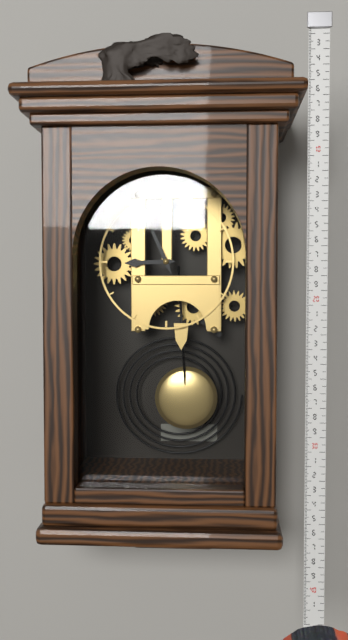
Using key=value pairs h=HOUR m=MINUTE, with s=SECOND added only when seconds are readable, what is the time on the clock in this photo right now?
h=8 m=56
